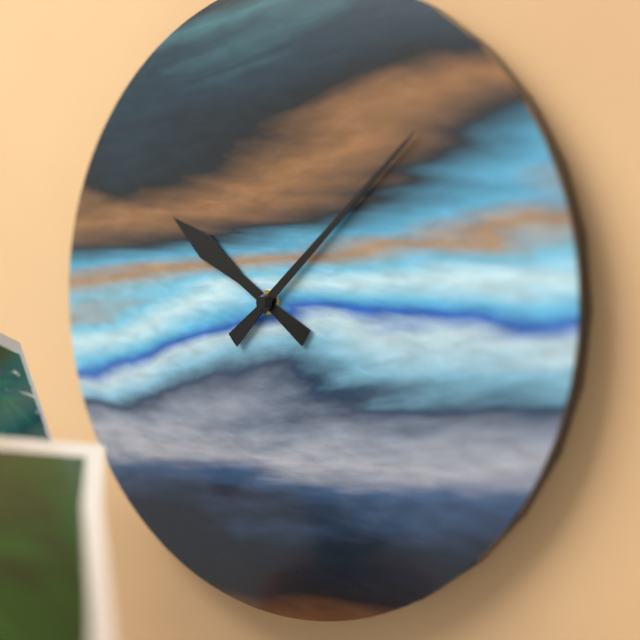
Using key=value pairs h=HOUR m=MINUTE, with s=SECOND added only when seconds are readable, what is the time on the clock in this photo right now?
h=10 m=8
